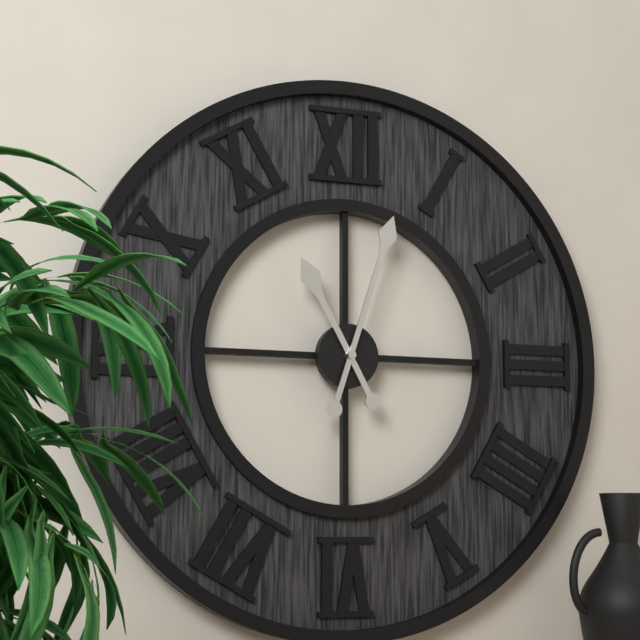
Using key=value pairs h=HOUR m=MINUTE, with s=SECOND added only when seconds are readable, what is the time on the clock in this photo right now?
h=11 m=3
